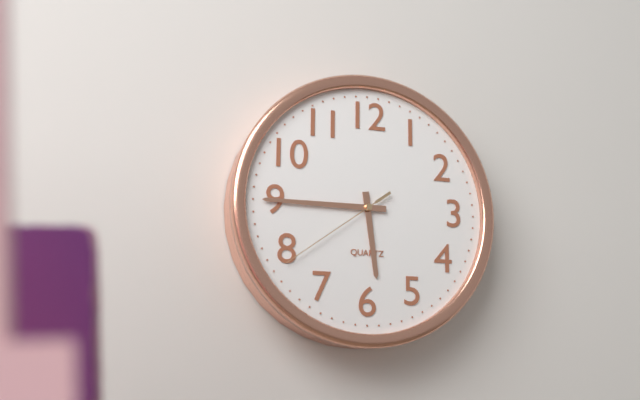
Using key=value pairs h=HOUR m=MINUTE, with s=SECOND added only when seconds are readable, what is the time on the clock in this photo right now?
h=5 m=45 s=39
